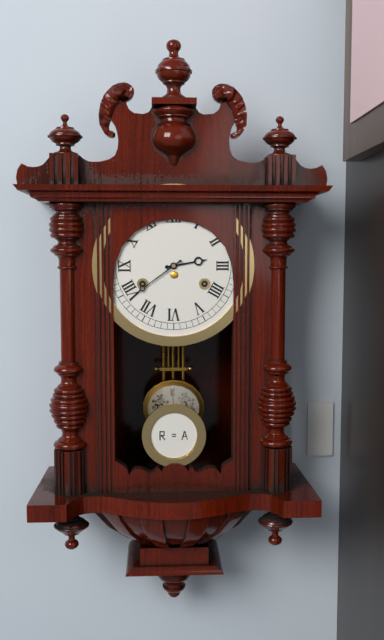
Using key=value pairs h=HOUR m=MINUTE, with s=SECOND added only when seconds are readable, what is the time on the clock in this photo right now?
h=2 m=39
